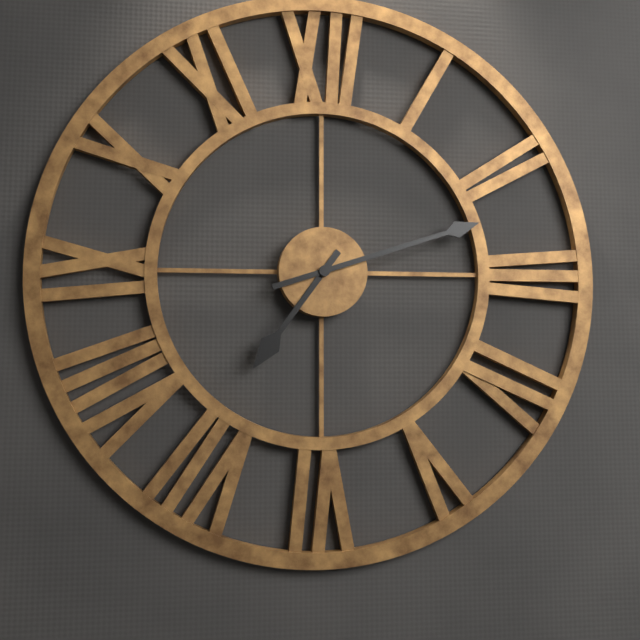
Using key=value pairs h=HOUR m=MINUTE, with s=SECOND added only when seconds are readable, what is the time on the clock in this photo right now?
h=7 m=12
